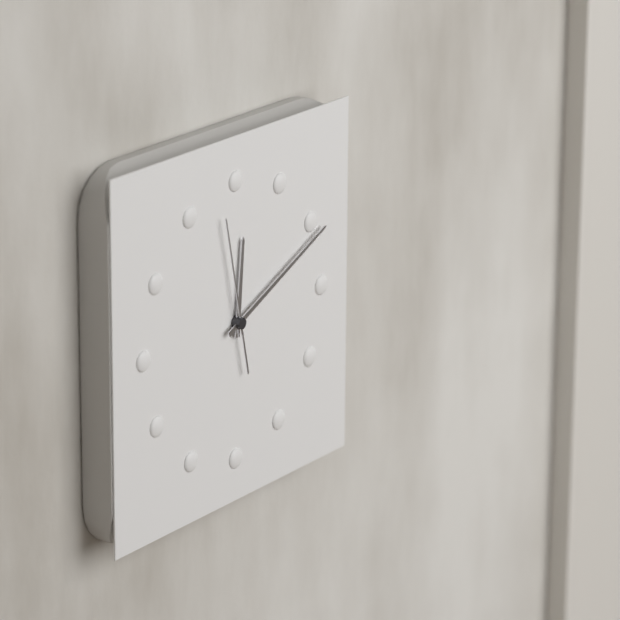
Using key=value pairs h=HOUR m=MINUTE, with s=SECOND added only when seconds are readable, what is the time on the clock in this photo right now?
h=12 m=11 s=58
